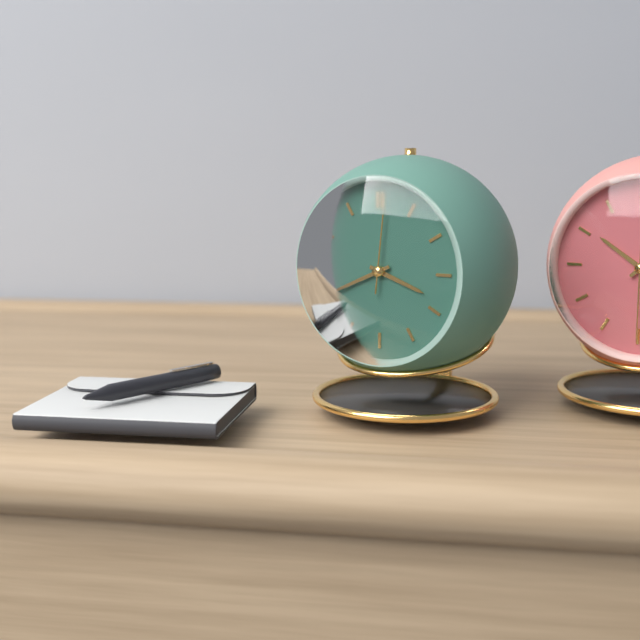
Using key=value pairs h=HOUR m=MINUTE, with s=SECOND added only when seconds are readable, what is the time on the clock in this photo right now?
h=3 m=41 s=1
